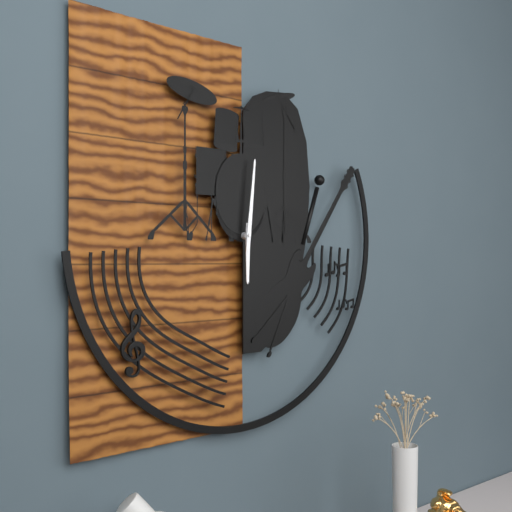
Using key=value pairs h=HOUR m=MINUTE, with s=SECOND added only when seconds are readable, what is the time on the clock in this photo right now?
h=6 m=1
